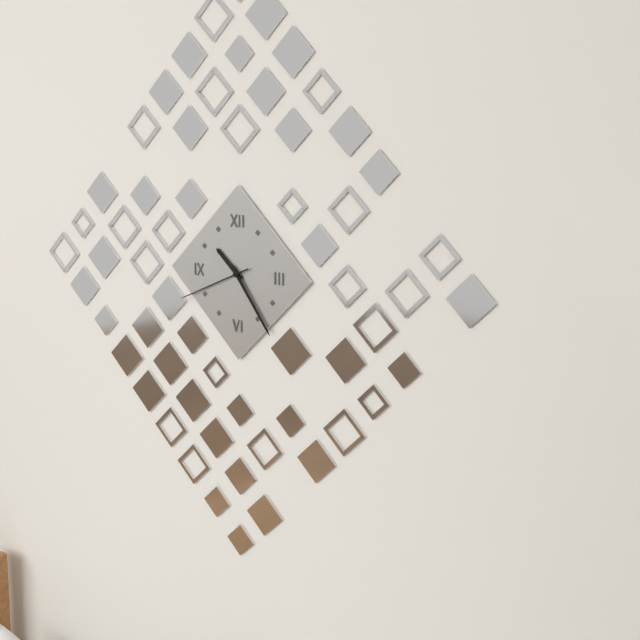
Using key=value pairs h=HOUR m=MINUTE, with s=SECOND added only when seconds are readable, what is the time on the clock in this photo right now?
h=10 m=24 s=41
